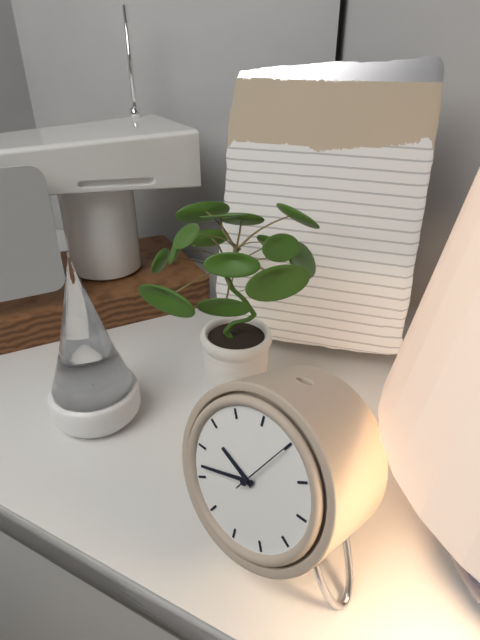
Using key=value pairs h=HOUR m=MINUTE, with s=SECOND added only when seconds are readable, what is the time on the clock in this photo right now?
h=9 m=42 s=5
